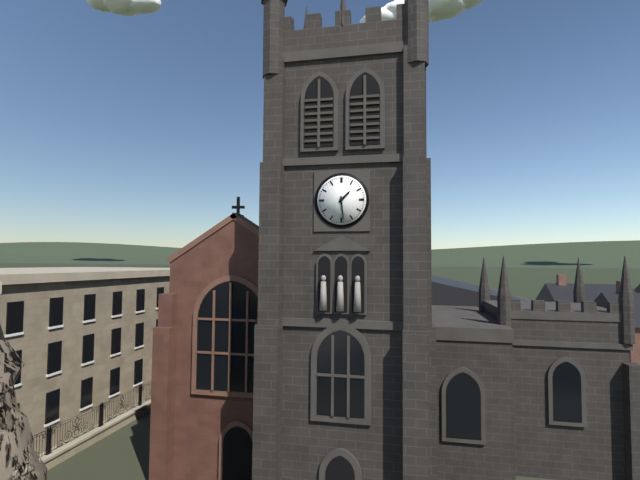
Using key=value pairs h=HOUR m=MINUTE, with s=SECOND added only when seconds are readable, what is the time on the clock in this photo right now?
h=1 m=29
